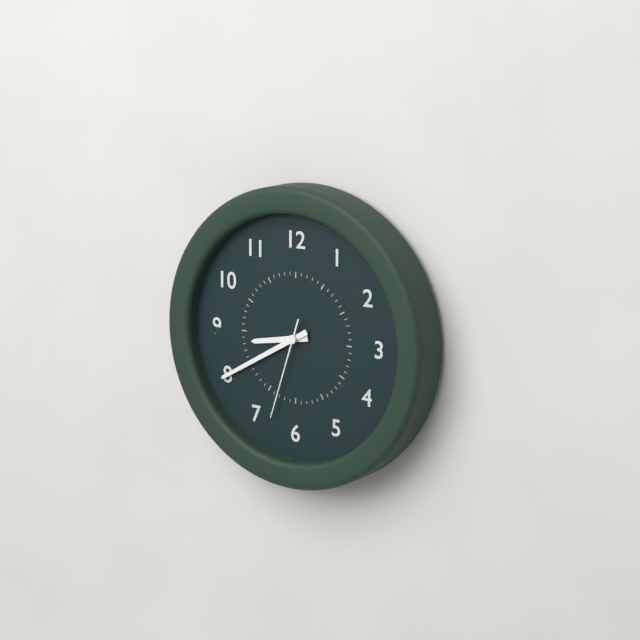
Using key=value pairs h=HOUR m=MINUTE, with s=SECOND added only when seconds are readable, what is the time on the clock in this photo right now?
h=8 m=40 s=33
